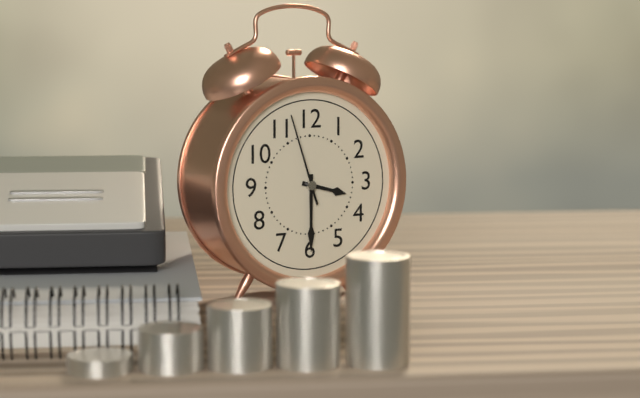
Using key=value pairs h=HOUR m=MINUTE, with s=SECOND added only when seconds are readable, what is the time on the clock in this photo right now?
h=3 m=30 s=57
